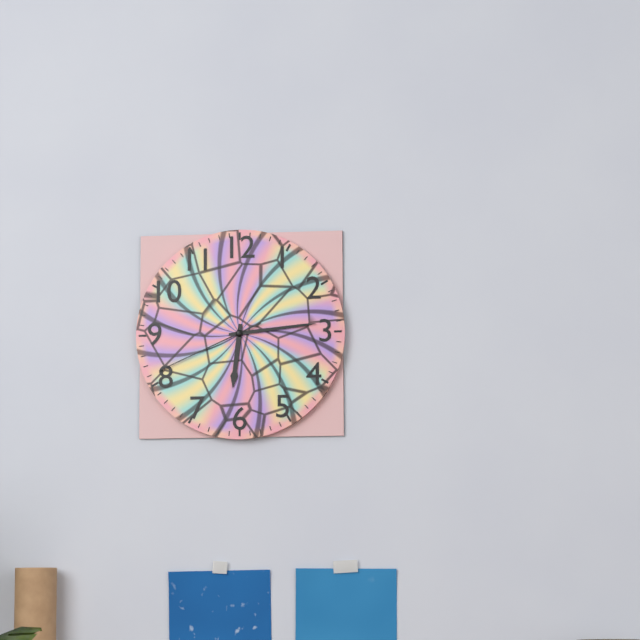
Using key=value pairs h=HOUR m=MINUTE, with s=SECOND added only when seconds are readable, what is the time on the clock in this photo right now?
h=6 m=14 s=41
